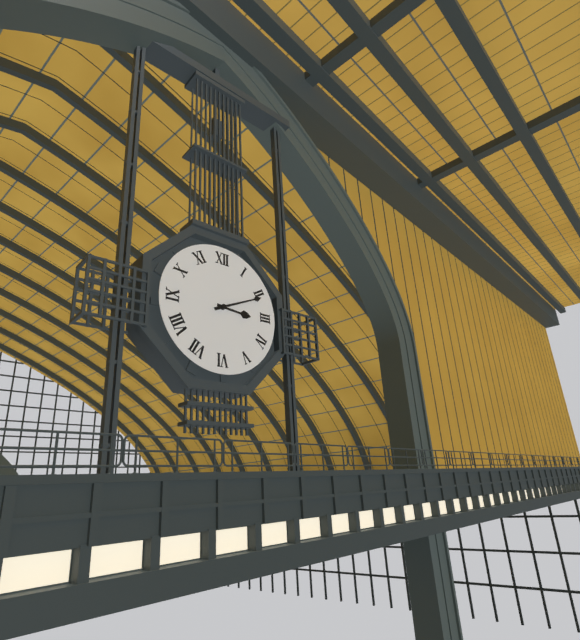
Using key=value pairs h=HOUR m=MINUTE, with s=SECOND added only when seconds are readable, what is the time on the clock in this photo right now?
h=3 m=11
